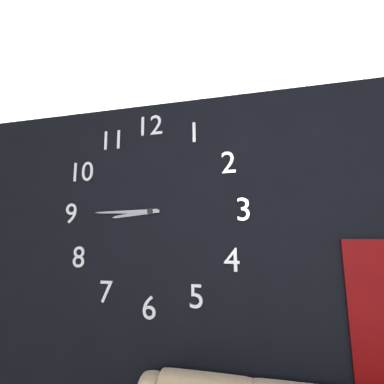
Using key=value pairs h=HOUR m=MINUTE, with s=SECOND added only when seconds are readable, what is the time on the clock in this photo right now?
h=8 m=45
